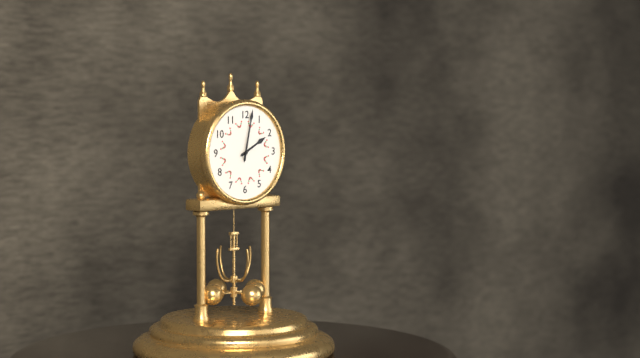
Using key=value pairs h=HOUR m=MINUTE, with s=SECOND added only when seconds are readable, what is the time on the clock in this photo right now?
h=2 m=2
